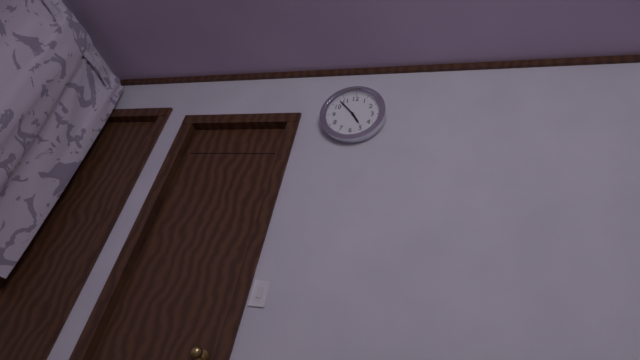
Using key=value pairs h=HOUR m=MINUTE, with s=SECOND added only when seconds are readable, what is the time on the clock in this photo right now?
h=4 m=53
